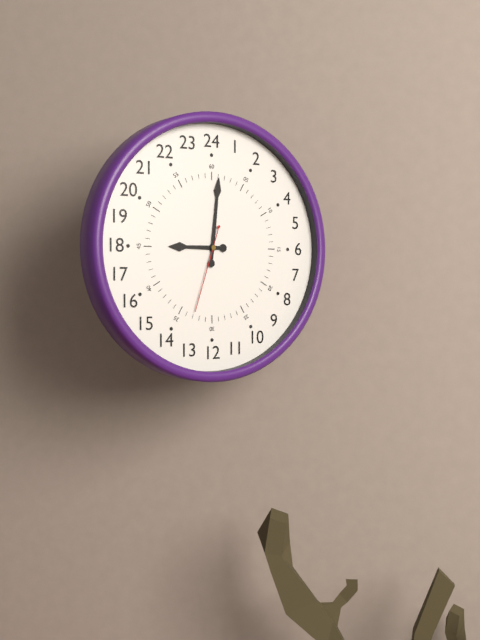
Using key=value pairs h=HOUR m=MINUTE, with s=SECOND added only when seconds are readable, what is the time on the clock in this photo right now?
h=9 m=1 s=33
